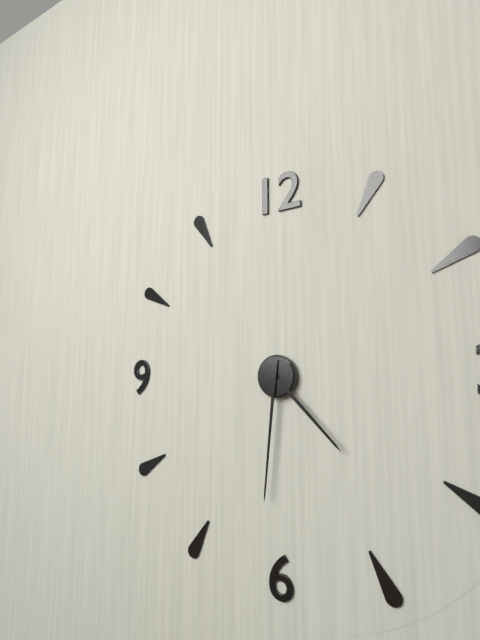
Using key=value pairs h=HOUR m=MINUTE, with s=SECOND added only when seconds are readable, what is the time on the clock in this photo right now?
h=4 m=31
